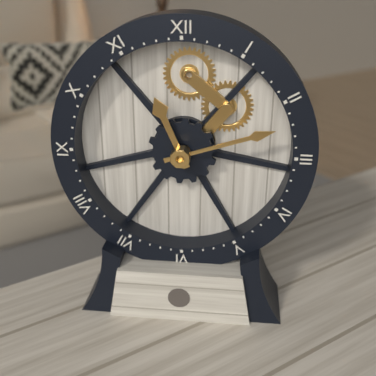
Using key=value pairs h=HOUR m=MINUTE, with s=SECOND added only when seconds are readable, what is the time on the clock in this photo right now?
h=11 m=12
